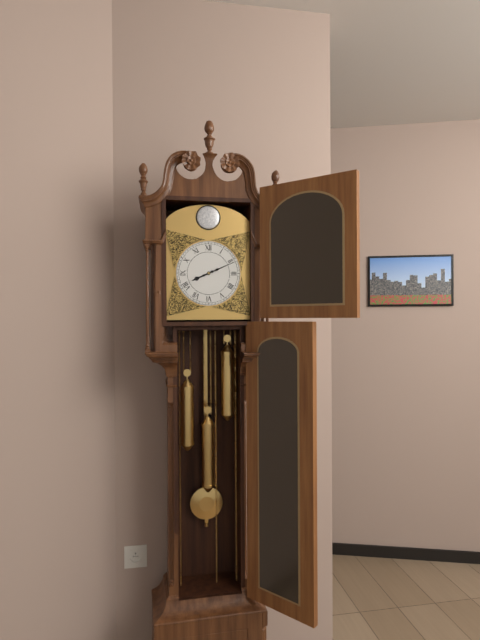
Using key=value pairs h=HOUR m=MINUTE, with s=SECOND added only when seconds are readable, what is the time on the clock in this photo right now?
h=8 m=11
